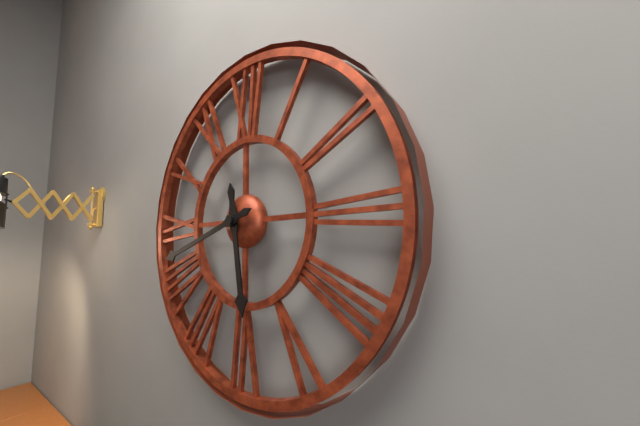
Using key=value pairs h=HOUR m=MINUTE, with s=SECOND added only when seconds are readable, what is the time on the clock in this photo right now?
h=5 m=42
